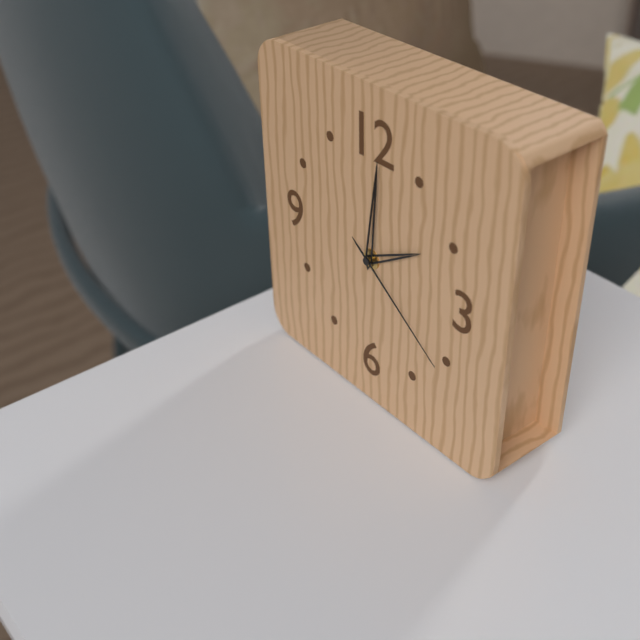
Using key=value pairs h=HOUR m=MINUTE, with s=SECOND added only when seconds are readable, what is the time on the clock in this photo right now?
h=2 m=1 s=21
